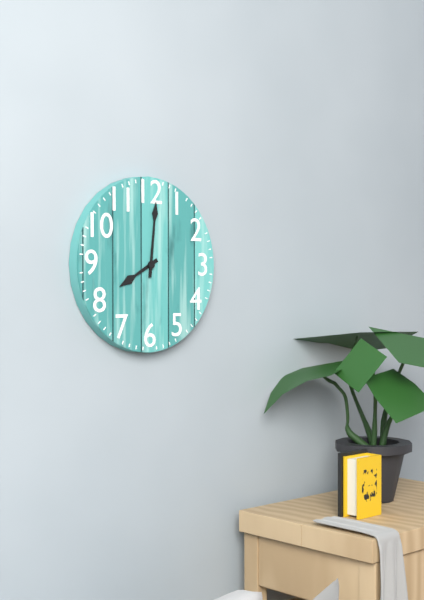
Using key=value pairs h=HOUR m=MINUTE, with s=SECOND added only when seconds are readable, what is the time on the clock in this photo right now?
h=8 m=1
